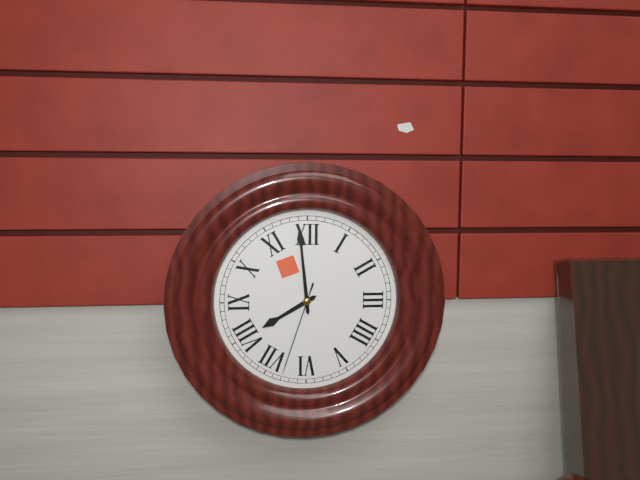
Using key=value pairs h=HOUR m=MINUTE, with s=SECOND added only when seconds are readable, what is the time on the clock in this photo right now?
h=7 m=59 s=33
